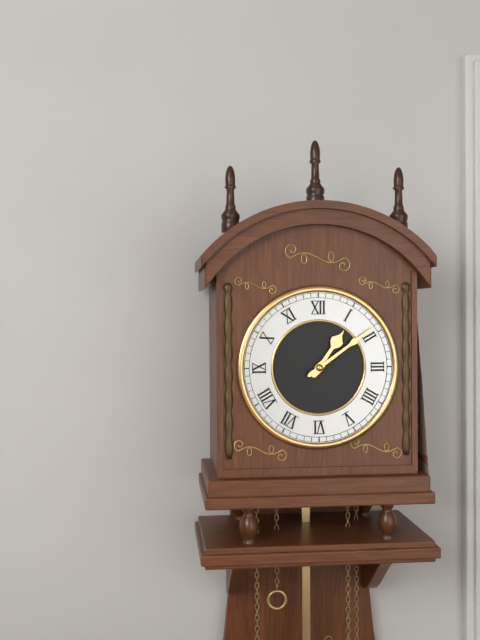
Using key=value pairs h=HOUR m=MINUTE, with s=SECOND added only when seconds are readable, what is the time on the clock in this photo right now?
h=1 m=9
